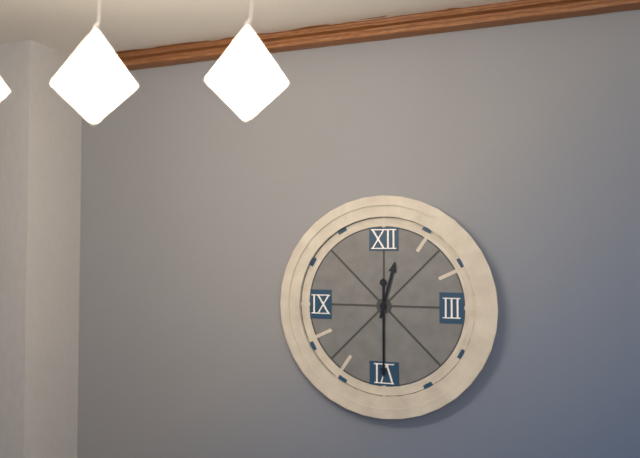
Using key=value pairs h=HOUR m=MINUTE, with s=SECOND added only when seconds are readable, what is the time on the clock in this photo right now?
h=12 m=30
